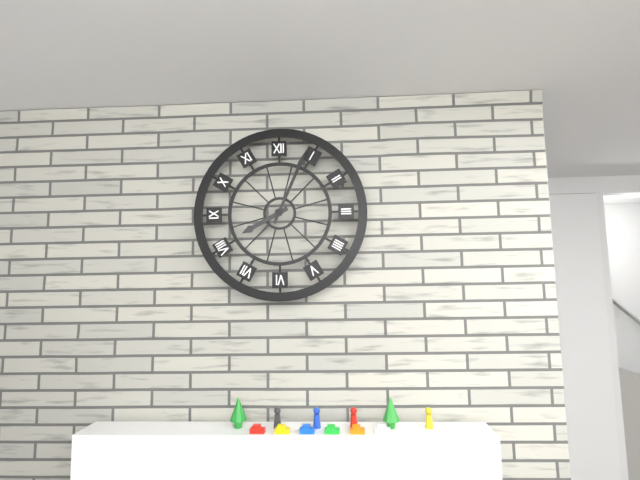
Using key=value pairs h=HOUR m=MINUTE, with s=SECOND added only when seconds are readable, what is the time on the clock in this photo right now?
h=8 m=4
